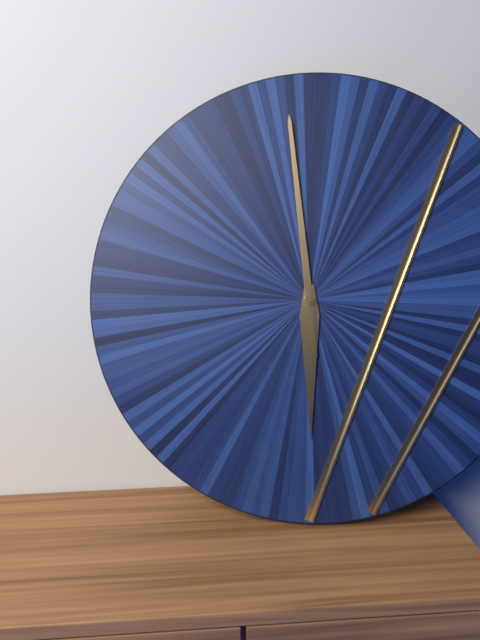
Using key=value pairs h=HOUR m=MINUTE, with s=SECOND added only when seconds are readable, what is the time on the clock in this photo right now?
h=5 m=59
